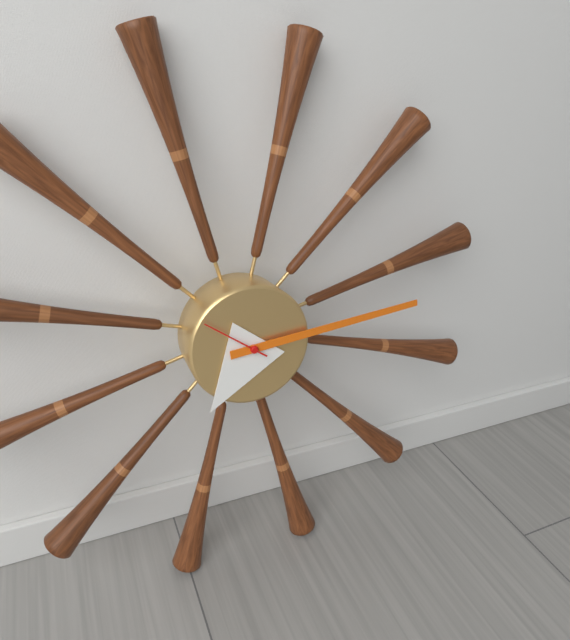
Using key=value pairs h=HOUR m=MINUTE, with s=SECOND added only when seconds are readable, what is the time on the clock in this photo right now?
h=7 m=14
